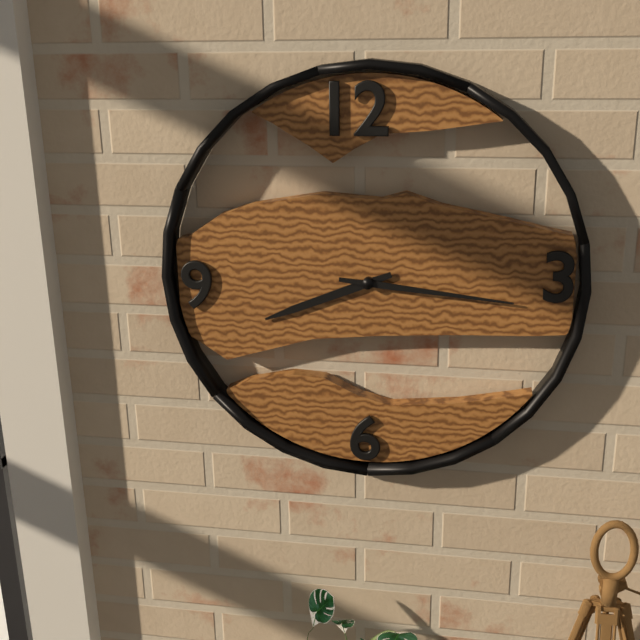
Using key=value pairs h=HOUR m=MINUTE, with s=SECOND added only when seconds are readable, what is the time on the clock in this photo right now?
h=8 m=16
